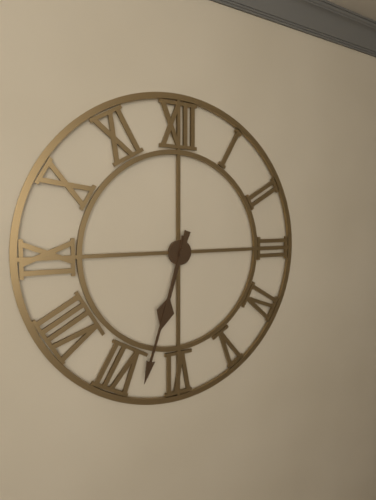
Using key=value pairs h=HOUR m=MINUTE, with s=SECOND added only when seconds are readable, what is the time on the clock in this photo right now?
h=6 m=33
